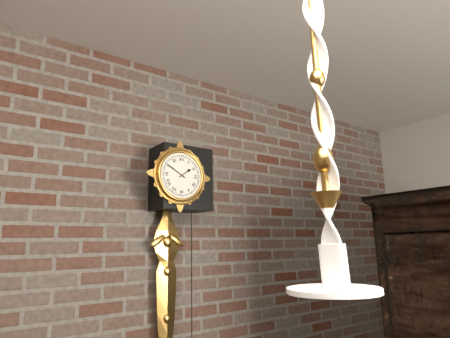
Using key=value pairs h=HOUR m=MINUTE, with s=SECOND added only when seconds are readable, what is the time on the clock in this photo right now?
h=1 m=50
